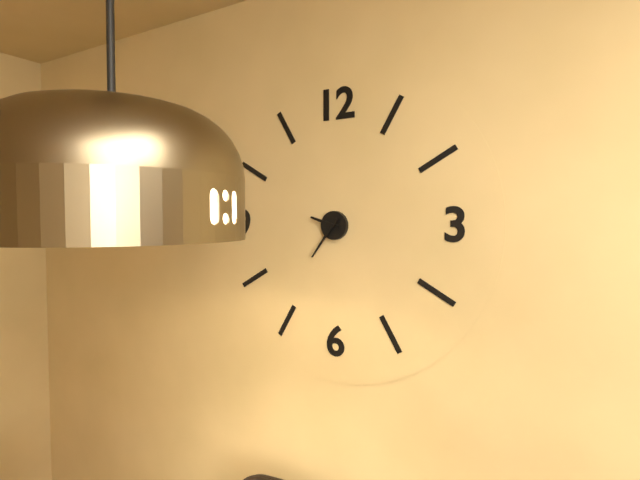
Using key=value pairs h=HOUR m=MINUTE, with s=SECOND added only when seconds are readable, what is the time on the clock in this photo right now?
h=9 m=36
